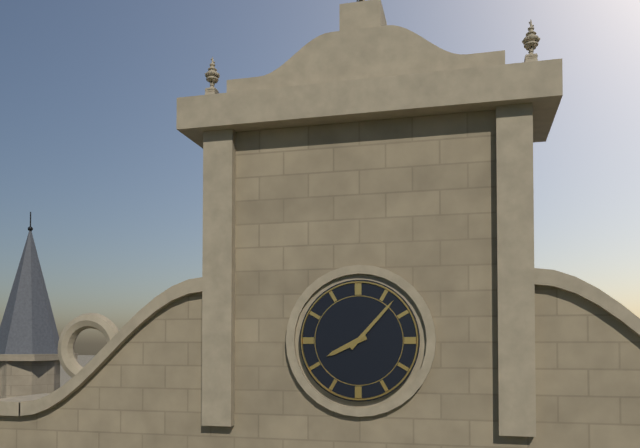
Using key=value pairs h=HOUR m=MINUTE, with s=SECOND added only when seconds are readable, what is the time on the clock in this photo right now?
h=8 m=7
